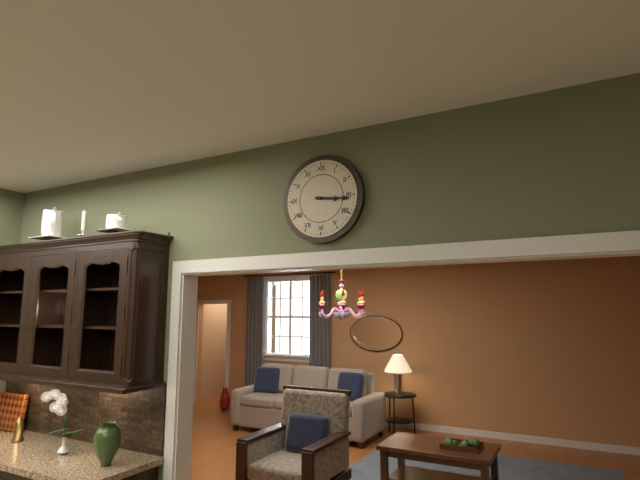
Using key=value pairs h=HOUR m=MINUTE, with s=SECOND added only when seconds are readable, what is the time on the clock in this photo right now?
h=3 m=16
